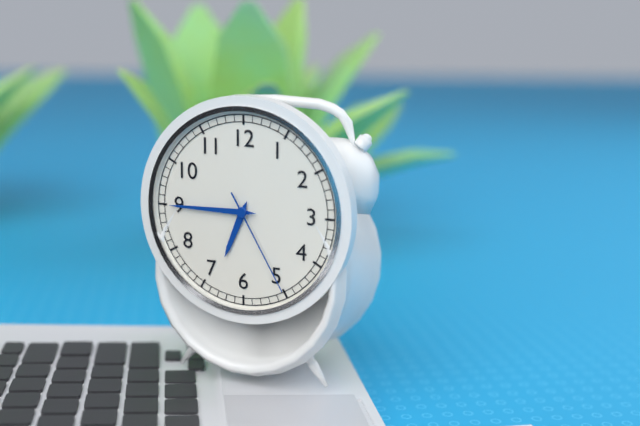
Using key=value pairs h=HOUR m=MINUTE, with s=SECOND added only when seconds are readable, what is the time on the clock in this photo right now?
h=6 m=45 s=25
